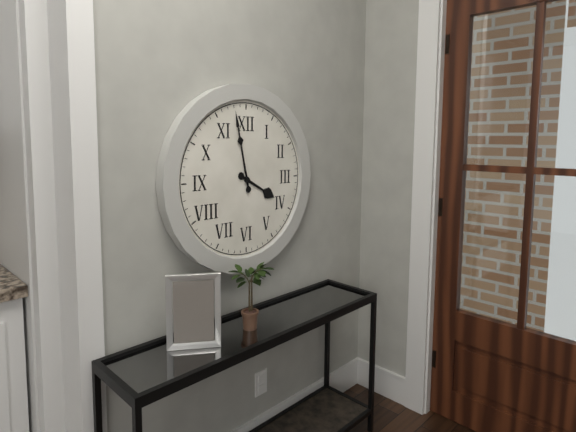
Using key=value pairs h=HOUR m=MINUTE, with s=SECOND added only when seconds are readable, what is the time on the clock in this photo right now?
h=3 m=58
